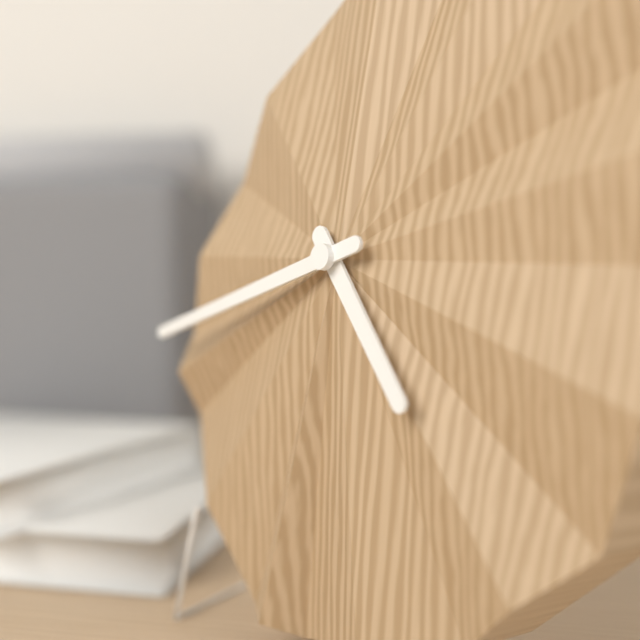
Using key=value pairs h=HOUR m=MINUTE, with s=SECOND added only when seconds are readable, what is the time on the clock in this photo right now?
h=4 m=42
